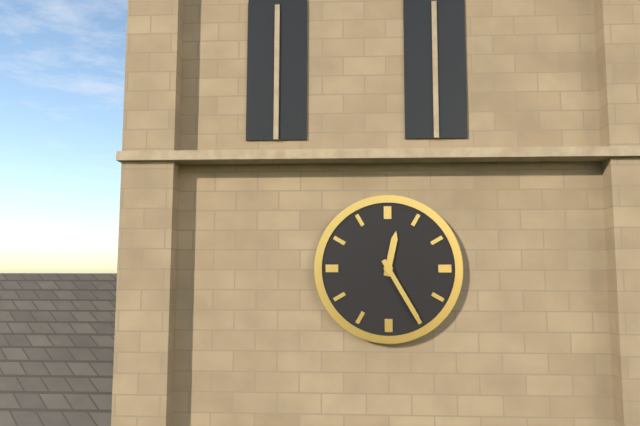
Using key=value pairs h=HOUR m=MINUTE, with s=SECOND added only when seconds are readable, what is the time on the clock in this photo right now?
h=12 m=25
